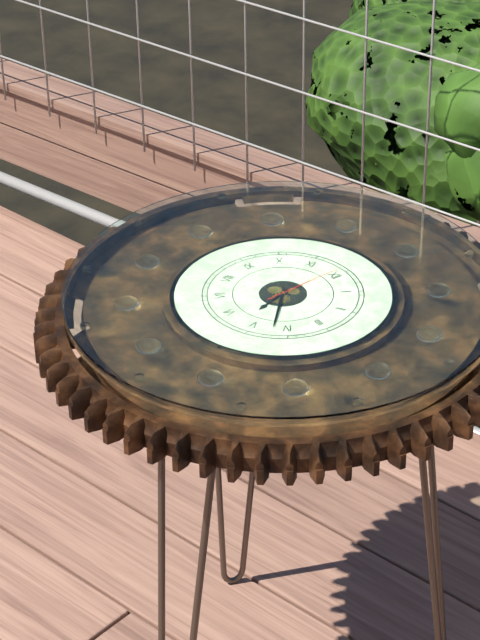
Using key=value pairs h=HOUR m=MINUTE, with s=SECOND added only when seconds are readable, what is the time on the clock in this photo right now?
h=5 m=22 s=59
